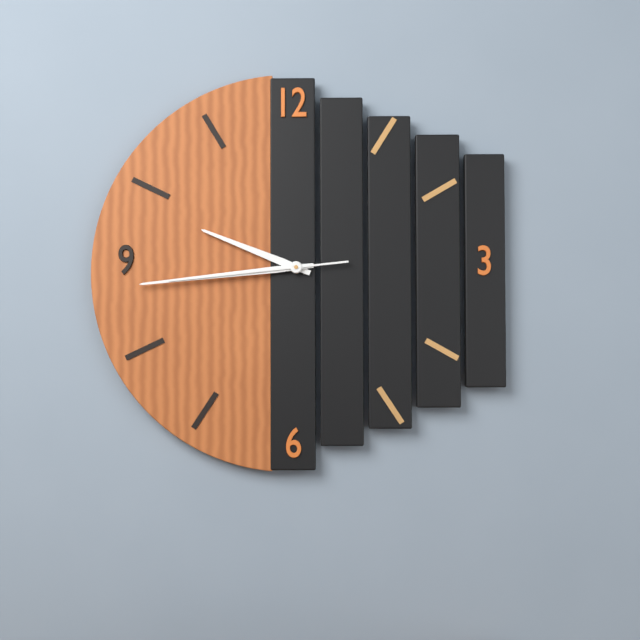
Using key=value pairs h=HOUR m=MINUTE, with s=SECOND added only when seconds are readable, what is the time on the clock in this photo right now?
h=9 m=44 s=44
